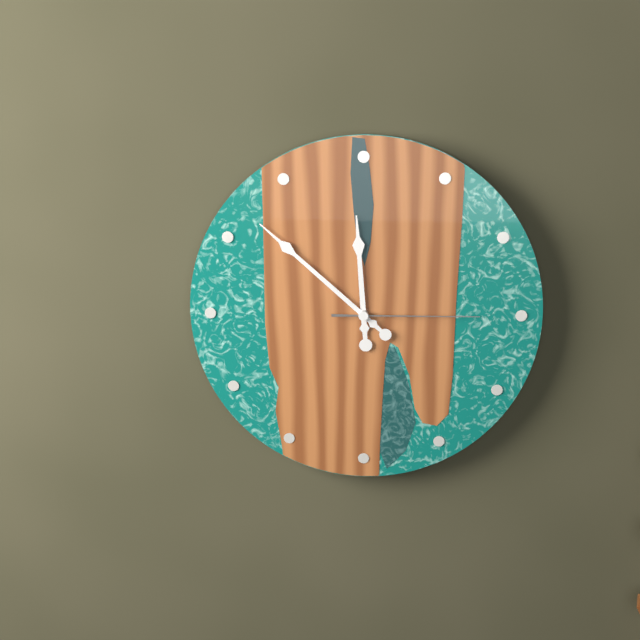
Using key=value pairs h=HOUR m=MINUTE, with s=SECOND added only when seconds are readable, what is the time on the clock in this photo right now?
h=11 m=52 s=15
